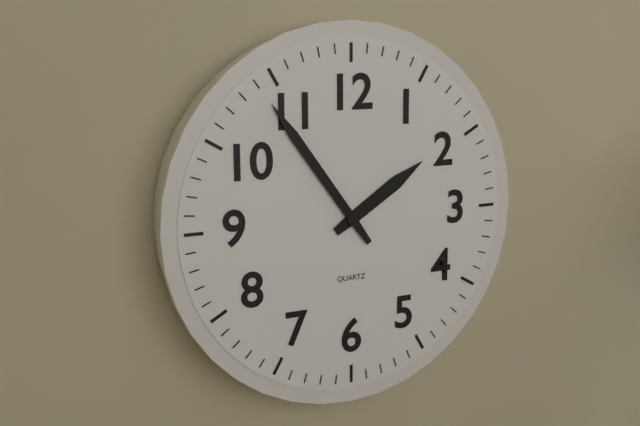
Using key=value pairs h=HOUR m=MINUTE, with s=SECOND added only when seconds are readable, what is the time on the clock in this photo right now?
h=1 m=54
